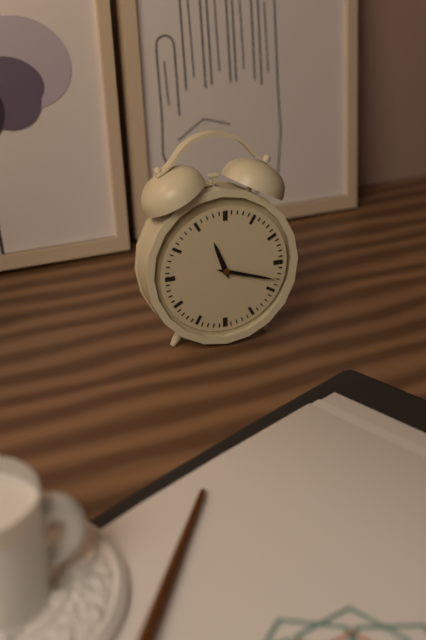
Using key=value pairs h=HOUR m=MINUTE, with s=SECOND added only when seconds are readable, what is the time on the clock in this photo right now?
h=11 m=18
